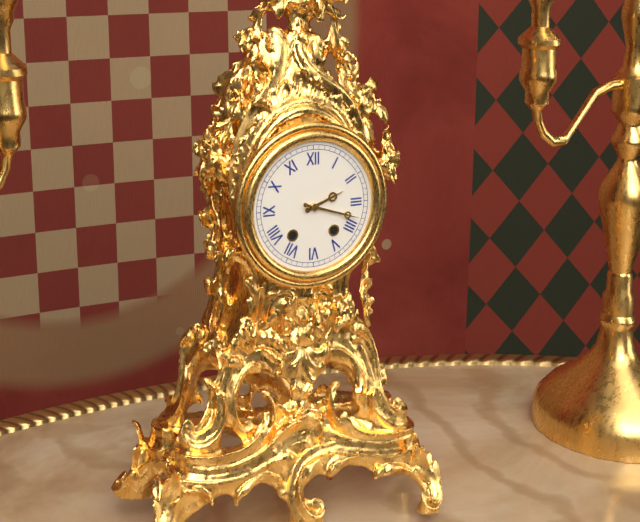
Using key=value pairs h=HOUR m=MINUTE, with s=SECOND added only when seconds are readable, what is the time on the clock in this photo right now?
h=2 m=18
